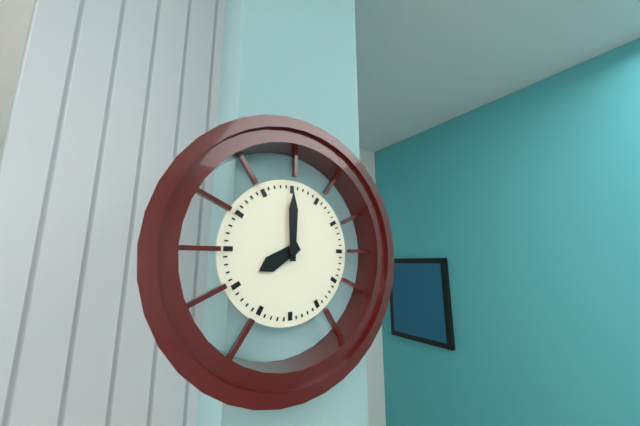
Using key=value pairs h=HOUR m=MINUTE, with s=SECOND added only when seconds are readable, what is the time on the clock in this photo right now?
h=8 m=0
